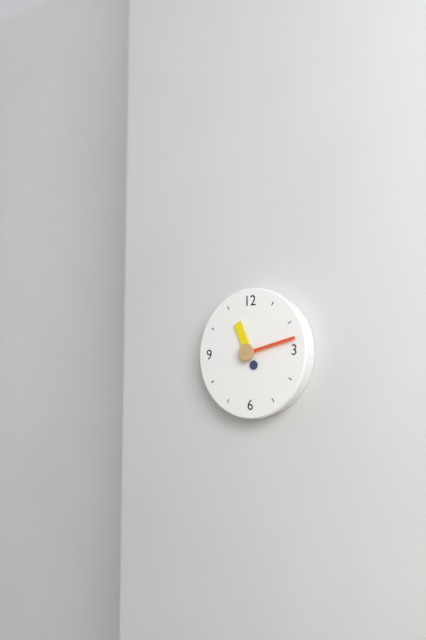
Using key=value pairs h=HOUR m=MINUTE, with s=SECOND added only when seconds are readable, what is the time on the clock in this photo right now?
h=11 m=13
